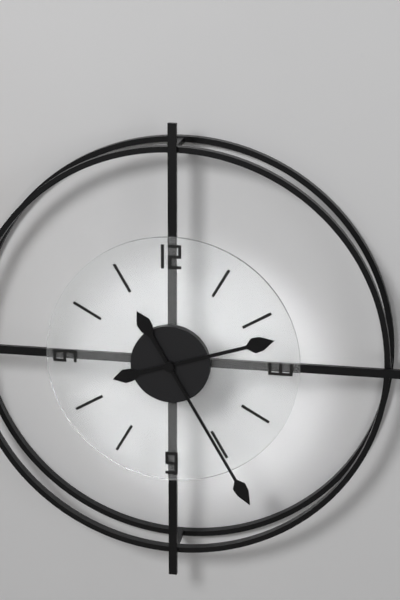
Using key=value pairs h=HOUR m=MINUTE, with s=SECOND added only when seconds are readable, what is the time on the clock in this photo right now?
h=2 m=25
